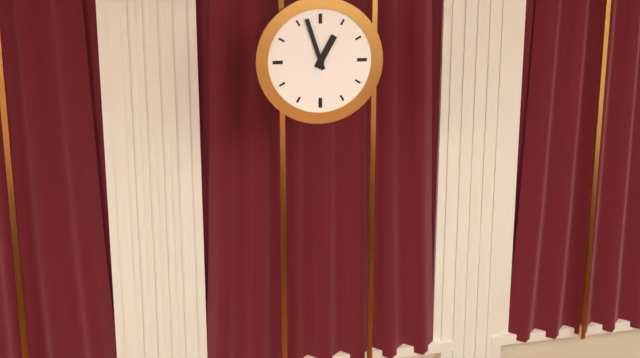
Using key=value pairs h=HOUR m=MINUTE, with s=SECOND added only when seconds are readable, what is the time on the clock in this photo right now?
h=12 m=57
